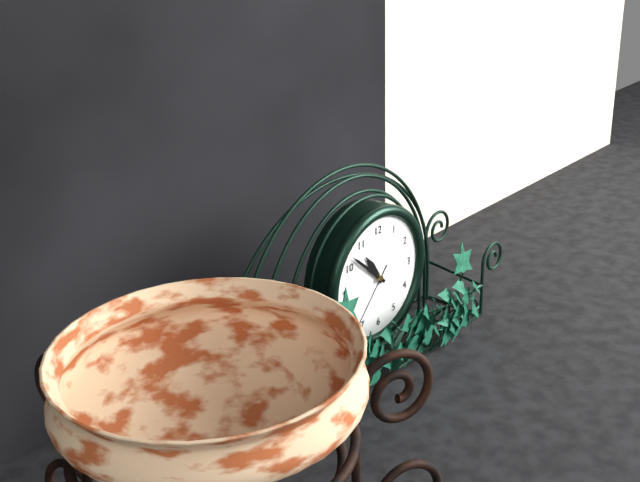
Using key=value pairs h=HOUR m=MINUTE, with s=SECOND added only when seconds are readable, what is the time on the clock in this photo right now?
h=10 m=52 s=37
